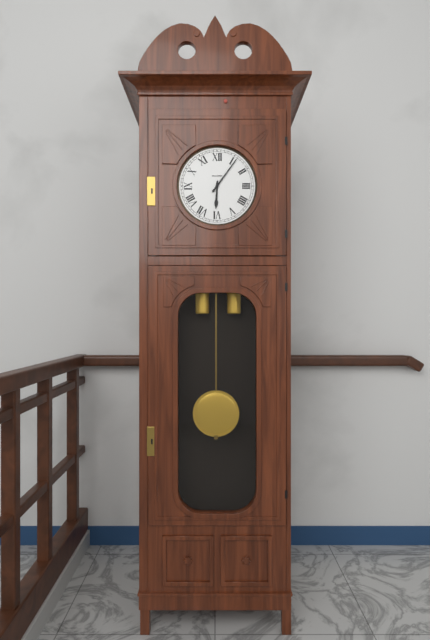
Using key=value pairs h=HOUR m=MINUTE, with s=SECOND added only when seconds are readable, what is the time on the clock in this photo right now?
h=6 m=6
